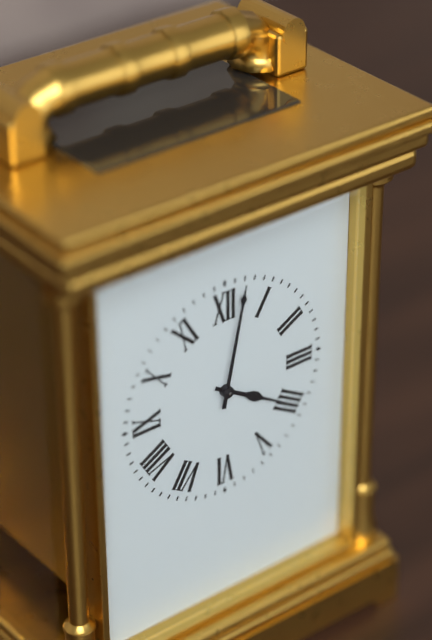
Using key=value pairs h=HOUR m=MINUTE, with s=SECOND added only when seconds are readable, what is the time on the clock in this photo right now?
h=4 m=2
